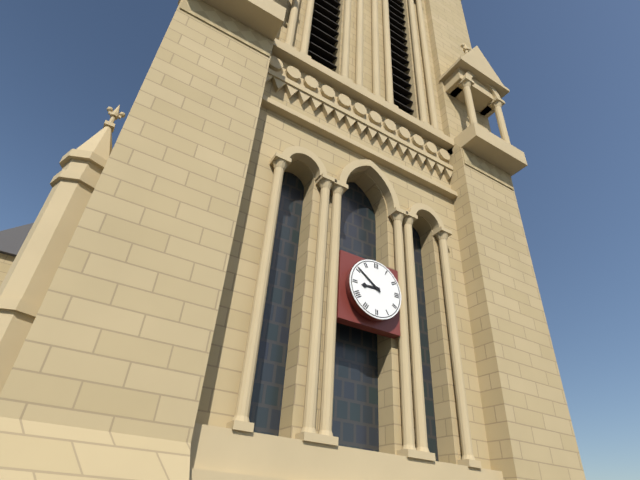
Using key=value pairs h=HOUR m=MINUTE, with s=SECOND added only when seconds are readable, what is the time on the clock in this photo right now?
h=8 m=51
